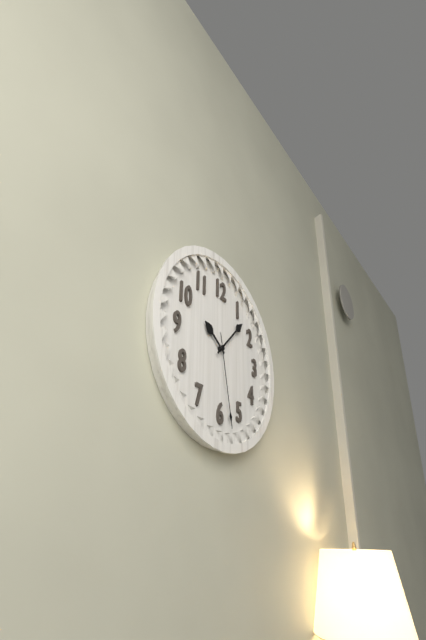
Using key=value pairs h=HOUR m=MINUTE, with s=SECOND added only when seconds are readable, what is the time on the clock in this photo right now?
h=10 m=7 s=28
